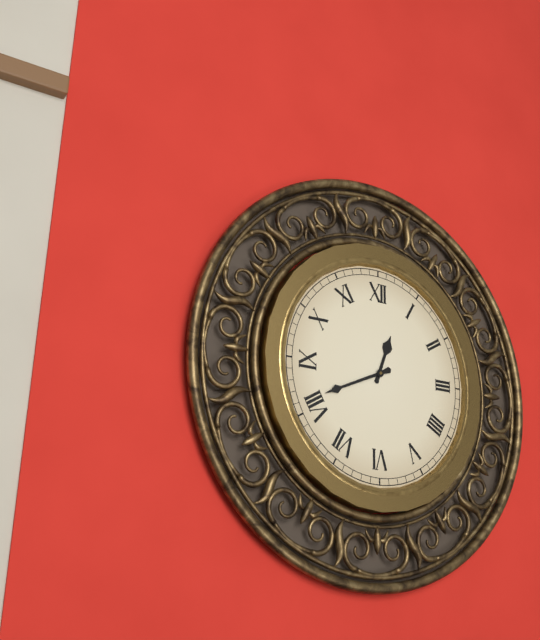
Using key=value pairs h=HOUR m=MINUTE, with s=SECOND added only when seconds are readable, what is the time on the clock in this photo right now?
h=12 m=41
